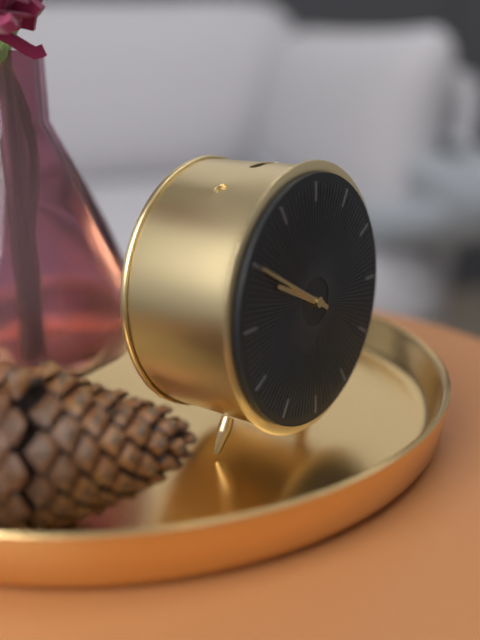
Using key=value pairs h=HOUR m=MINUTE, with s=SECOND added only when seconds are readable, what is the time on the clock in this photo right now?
h=9 m=50
